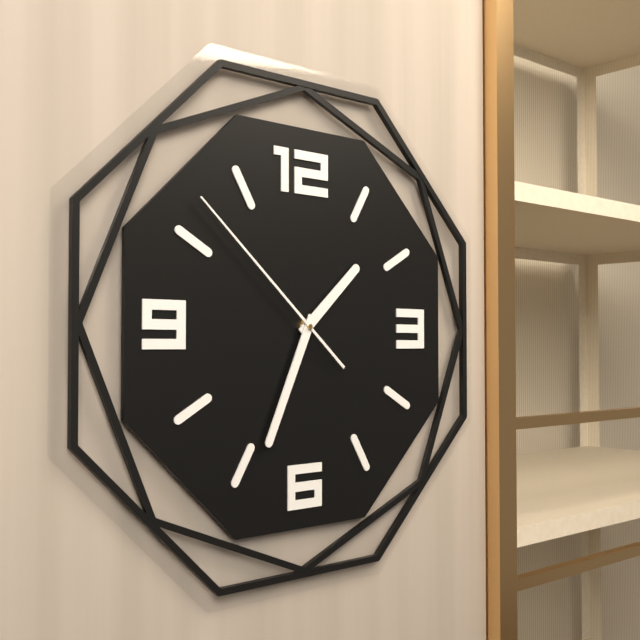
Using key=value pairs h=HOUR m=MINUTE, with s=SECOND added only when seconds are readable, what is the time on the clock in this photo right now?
h=1 m=34 s=52
